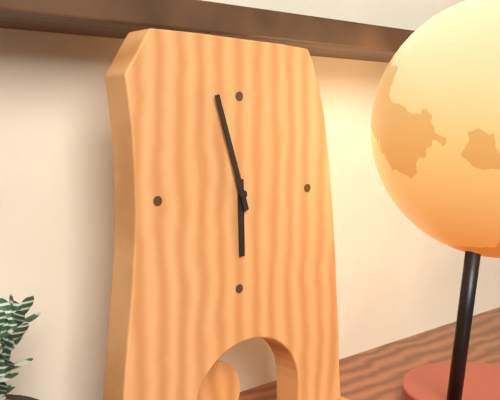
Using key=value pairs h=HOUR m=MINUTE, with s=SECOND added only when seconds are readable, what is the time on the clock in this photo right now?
h=5 m=57
